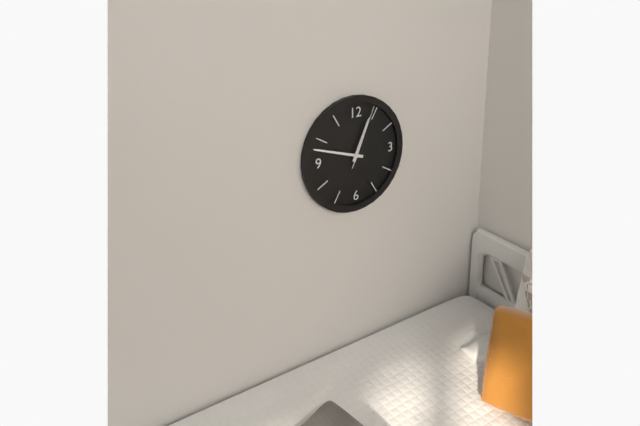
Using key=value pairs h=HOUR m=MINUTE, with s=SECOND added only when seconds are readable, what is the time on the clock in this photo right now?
h=12 m=48 s=4
